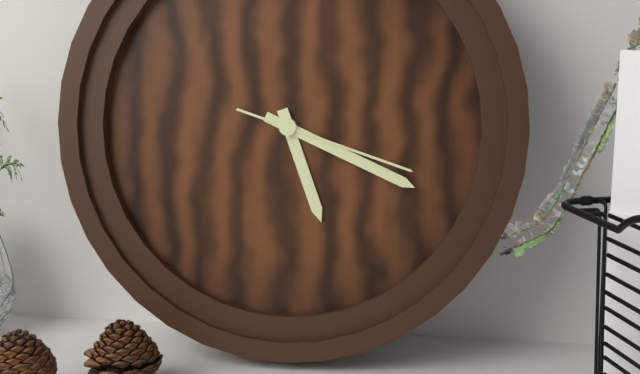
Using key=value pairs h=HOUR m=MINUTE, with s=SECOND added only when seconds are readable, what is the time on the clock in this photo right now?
h=5 m=19 s=18
